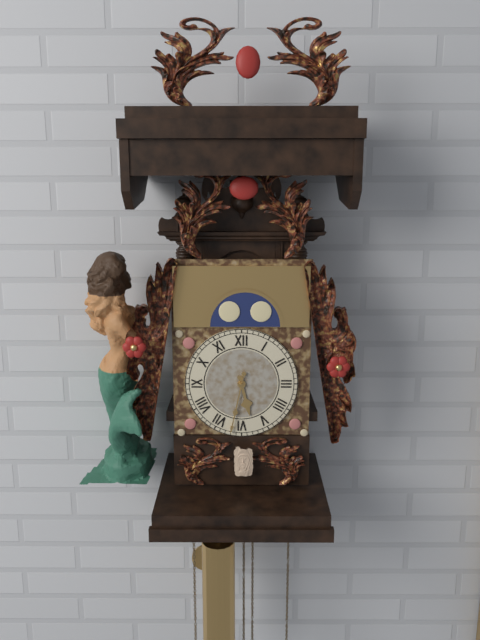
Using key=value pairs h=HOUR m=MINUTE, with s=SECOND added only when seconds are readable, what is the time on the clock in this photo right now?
h=5 m=32
